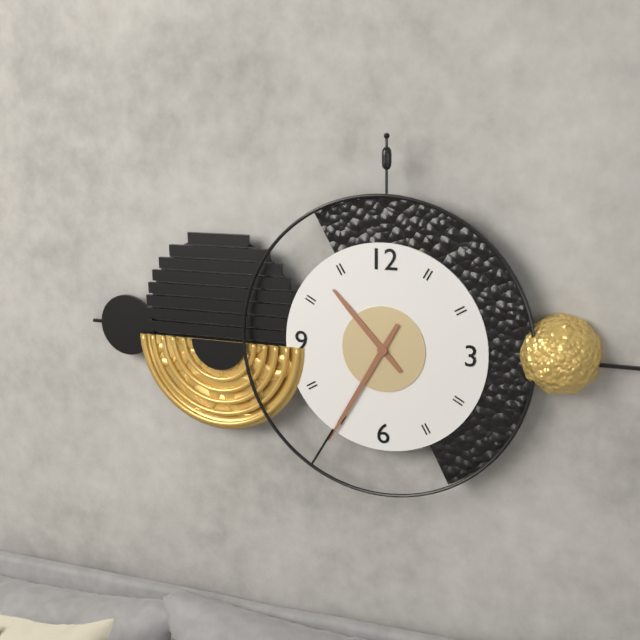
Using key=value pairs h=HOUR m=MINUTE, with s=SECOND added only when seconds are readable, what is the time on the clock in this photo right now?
h=10 m=35
